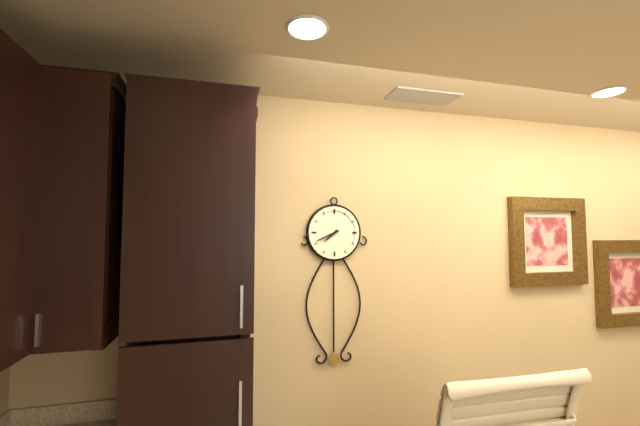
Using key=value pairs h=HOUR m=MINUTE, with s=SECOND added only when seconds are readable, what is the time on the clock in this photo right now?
h=7 m=41
